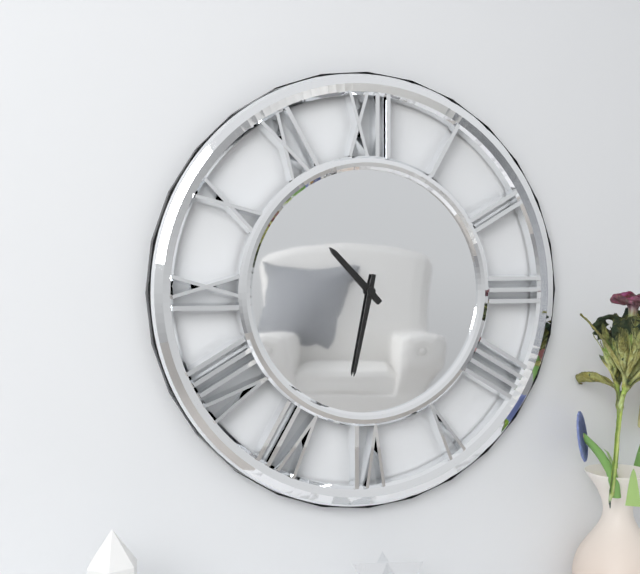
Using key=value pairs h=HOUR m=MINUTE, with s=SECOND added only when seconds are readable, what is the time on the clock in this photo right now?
h=10 m=32
